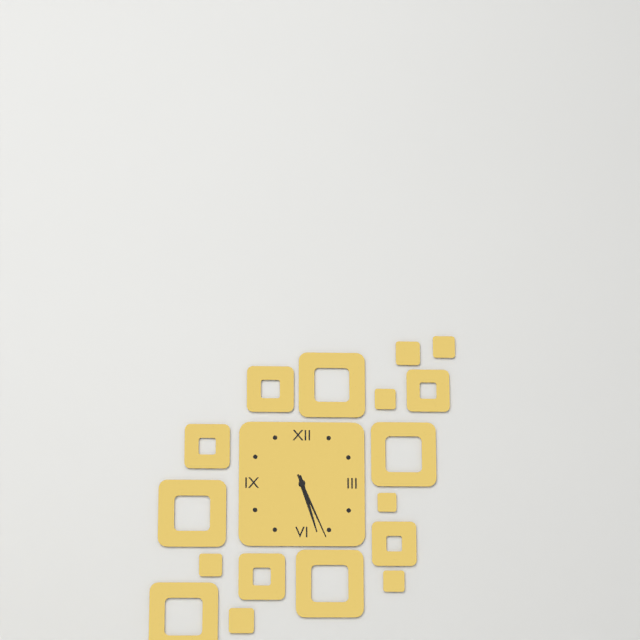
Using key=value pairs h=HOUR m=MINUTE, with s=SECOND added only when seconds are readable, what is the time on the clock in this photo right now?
h=5 m=26
